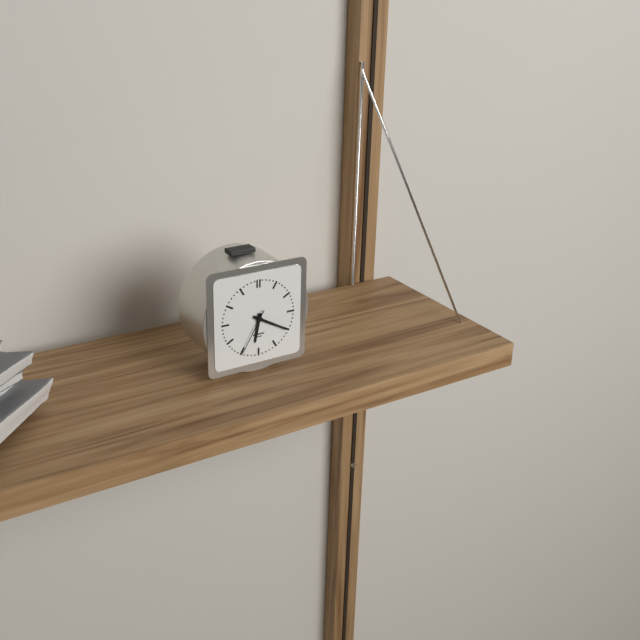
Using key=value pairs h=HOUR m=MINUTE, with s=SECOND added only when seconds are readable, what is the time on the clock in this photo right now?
h=6 m=20 s=35
